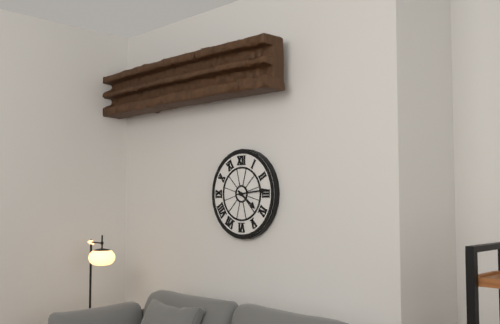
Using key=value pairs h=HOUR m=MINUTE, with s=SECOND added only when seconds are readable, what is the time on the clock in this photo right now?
h=4 m=14
